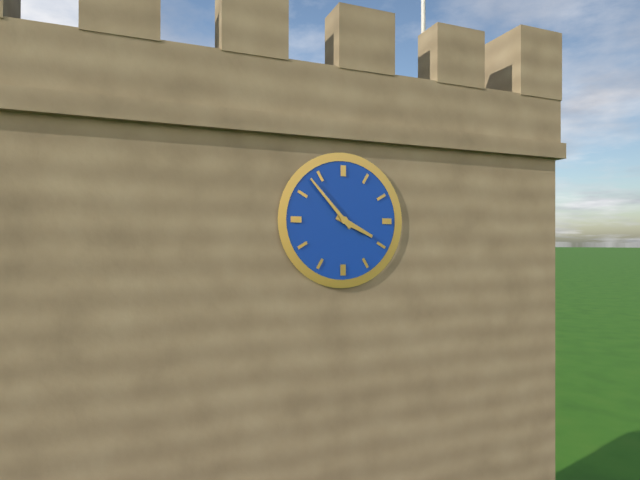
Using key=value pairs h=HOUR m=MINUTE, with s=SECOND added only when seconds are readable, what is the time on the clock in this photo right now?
h=3 m=53
